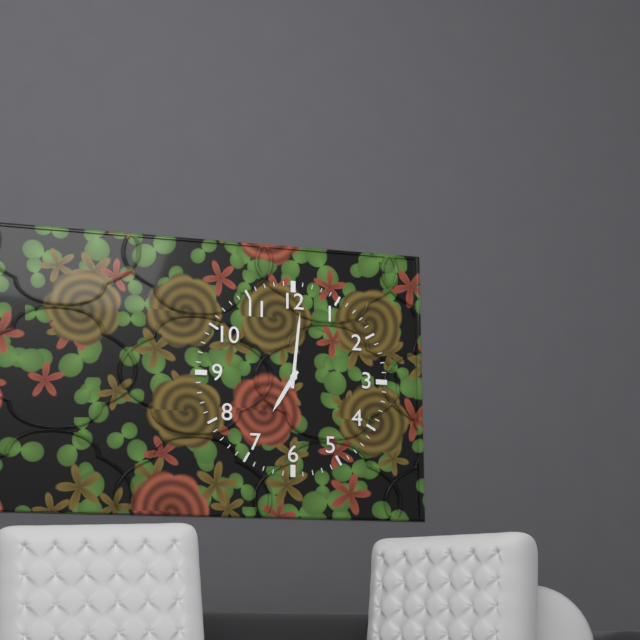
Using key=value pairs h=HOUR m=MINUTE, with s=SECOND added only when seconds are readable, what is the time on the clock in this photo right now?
h=7 m=1
